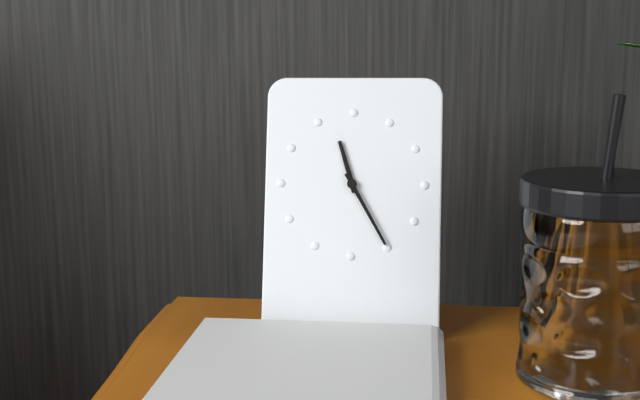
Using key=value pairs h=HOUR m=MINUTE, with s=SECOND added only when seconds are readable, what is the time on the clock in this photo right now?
h=11 m=25
